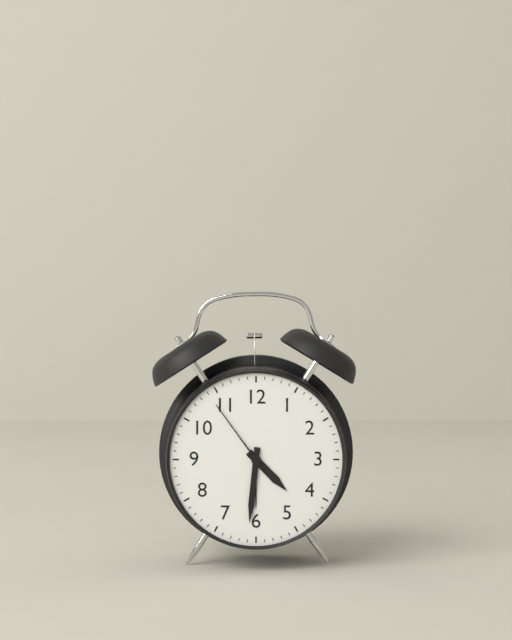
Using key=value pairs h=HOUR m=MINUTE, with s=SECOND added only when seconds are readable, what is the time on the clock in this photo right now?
h=4 m=31 s=54
